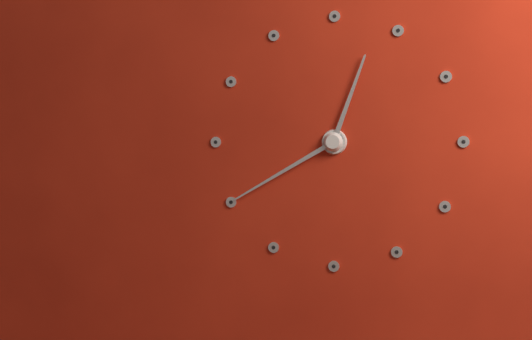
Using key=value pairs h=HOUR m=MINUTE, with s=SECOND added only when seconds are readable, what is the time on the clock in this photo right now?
h=12 m=40
